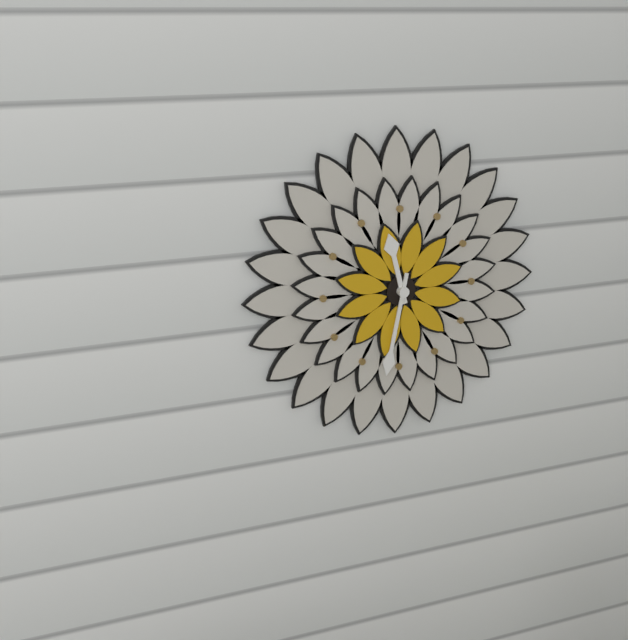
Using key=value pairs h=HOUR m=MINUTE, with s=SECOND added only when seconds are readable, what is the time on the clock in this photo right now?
h=11 m=32
